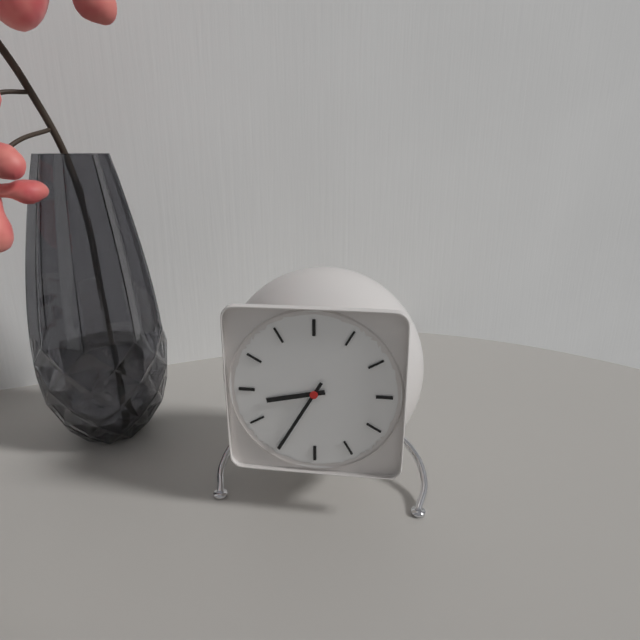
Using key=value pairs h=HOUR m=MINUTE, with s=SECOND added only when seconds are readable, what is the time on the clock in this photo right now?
h=8 m=35
